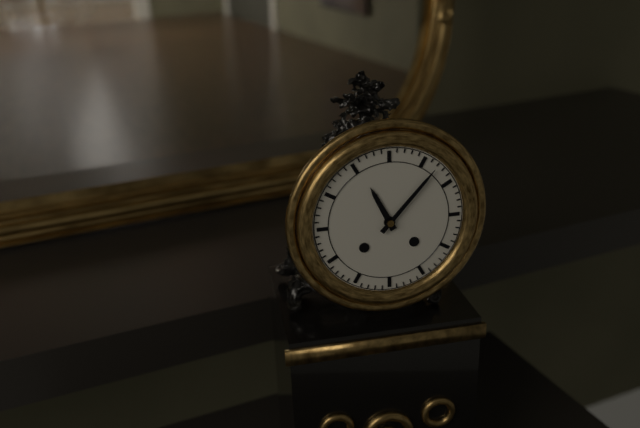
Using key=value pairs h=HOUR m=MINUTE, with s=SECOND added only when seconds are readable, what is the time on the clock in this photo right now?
h=11 m=7
